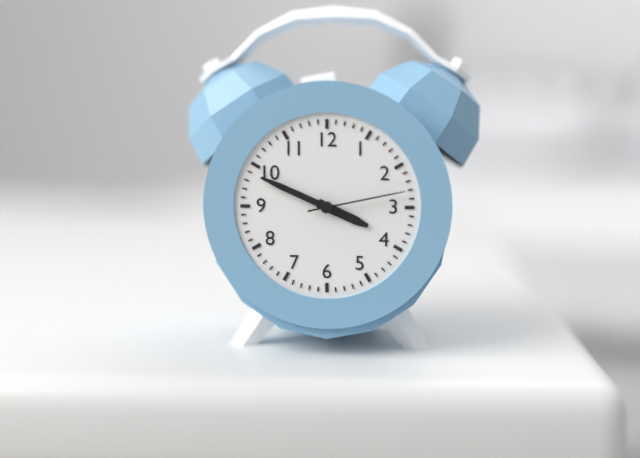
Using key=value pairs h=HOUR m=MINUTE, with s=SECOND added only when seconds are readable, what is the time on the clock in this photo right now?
h=3 m=49 s=13
